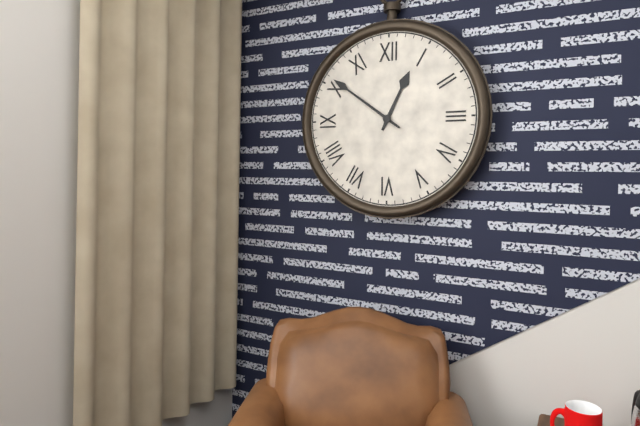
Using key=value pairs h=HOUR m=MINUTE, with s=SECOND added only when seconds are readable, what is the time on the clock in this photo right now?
h=12 m=51
